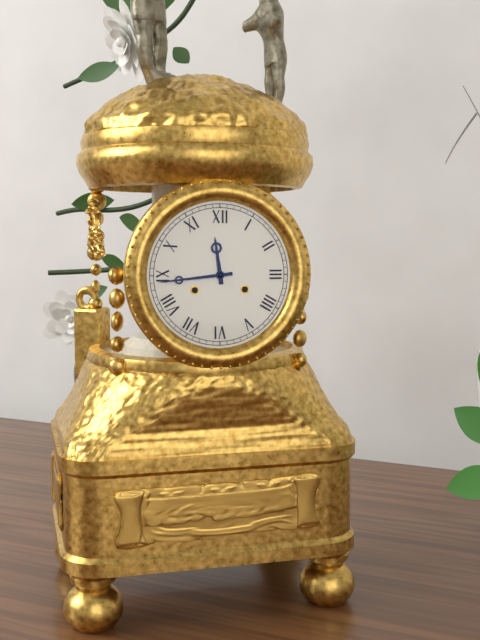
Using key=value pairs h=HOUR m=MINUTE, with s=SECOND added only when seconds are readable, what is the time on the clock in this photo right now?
h=11 m=44
